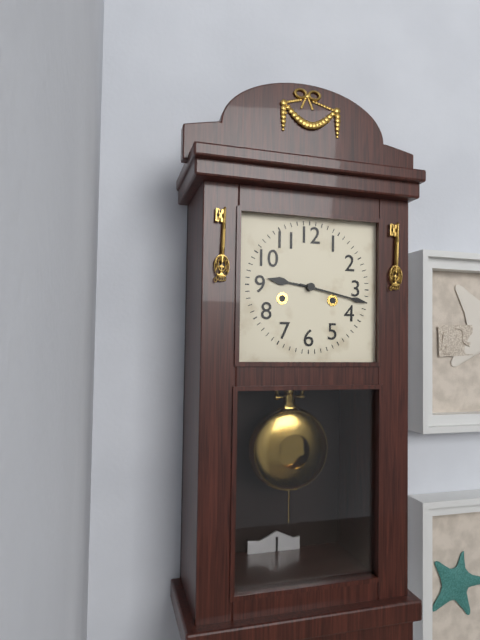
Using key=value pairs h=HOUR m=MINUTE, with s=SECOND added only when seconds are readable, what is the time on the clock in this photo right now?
h=9 m=17
